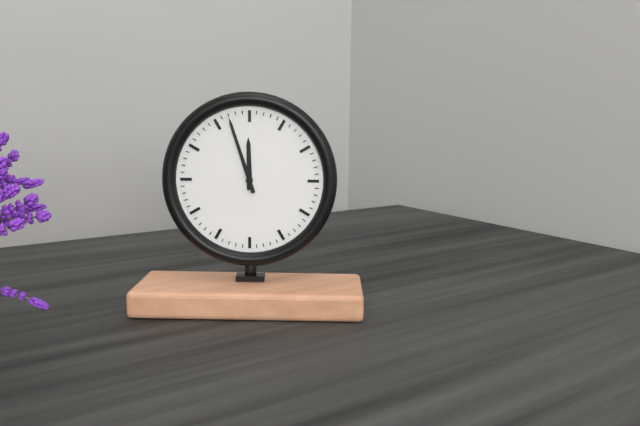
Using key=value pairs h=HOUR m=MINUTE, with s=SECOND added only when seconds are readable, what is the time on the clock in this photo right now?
h=11 m=57
